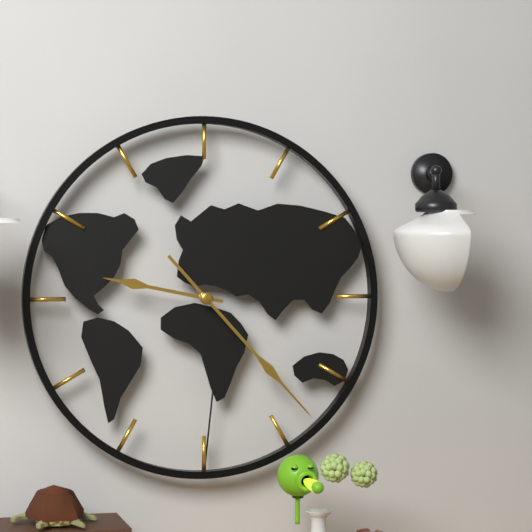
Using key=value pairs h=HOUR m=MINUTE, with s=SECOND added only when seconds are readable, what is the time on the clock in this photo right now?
h=9 m=23
